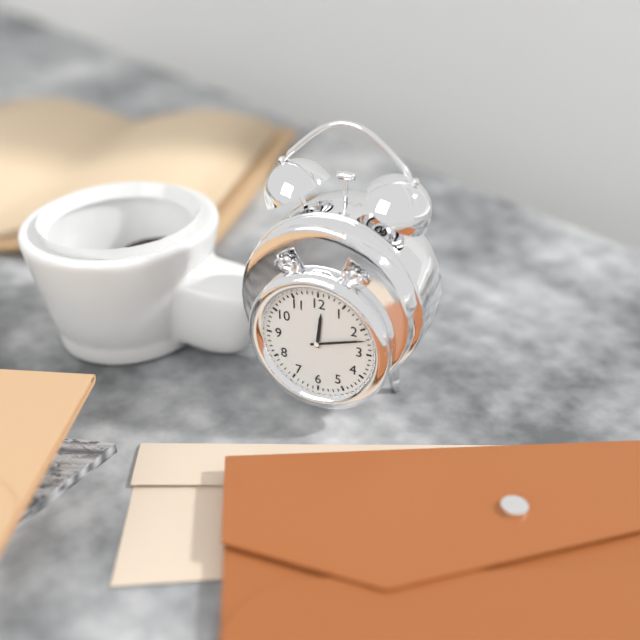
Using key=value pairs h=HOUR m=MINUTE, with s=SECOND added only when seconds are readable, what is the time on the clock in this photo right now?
h=12 m=12
